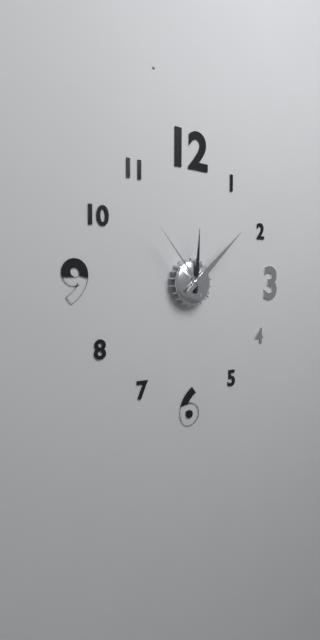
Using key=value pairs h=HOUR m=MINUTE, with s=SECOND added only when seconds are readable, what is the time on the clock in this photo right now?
h=12 m=8 s=53
